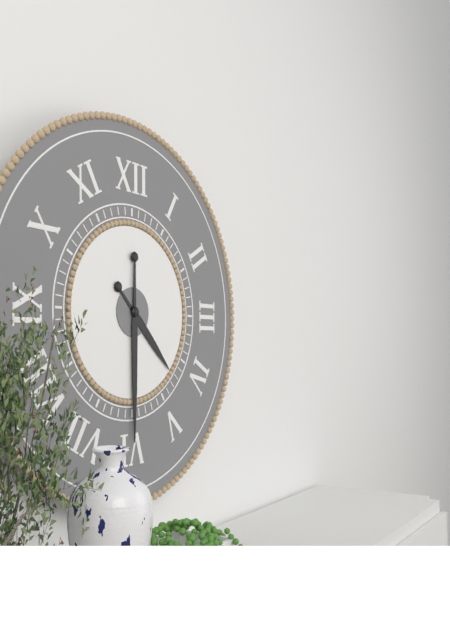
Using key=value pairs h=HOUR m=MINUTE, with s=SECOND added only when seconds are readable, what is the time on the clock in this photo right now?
h=4 m=30
